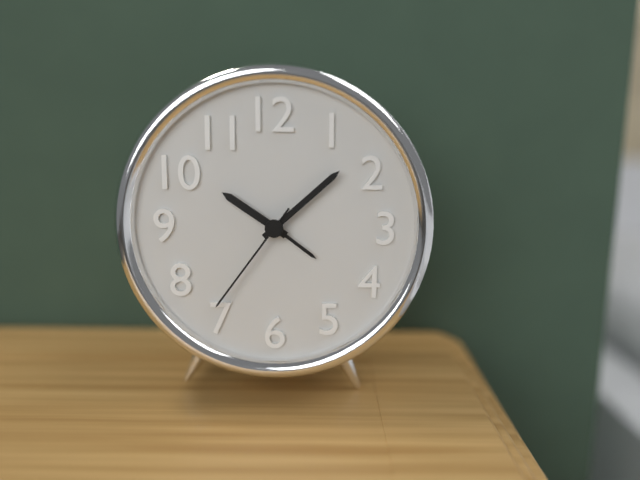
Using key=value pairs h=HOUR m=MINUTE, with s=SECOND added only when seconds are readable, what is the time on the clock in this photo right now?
h=10 m=8 s=36
